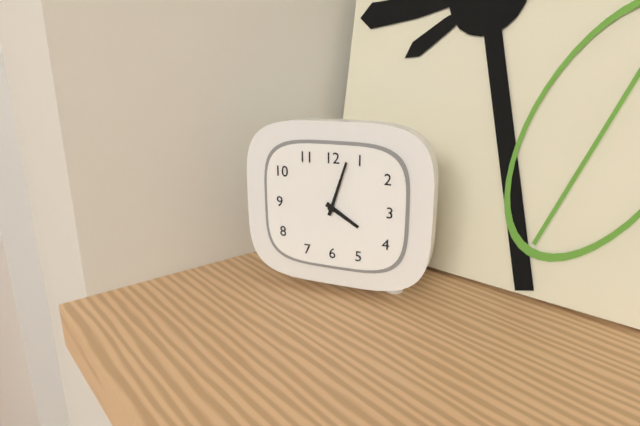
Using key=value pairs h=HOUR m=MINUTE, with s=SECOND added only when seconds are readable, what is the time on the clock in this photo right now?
h=4 m=3
